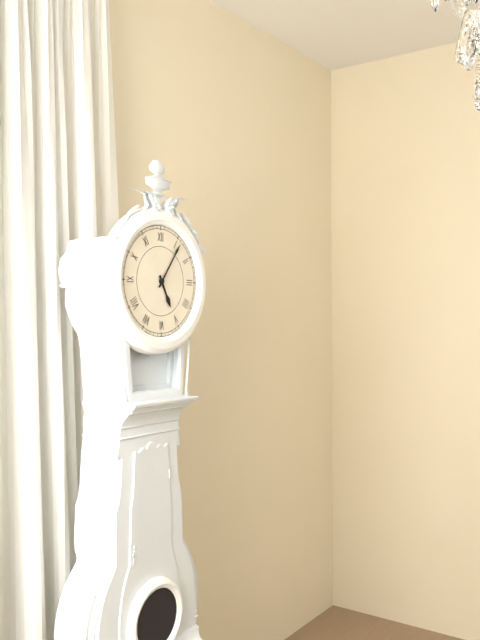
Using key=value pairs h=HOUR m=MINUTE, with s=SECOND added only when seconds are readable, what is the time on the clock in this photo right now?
h=5 m=6
